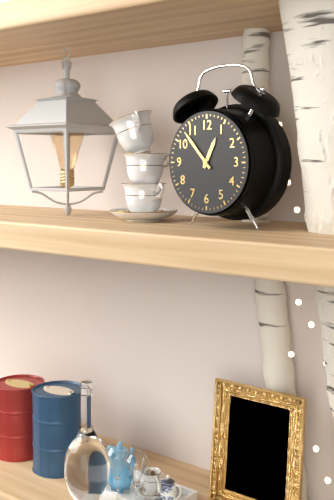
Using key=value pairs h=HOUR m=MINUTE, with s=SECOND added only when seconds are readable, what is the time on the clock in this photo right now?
h=12 m=53
